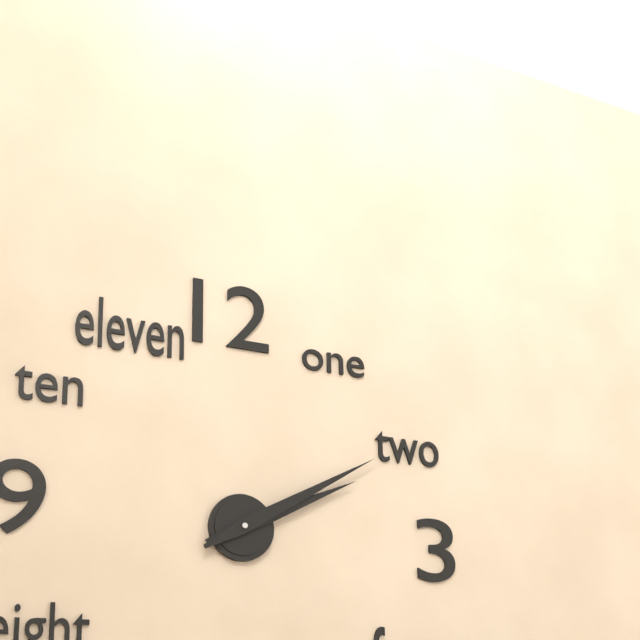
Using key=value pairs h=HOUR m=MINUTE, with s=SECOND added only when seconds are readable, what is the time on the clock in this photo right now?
h=2 m=10
